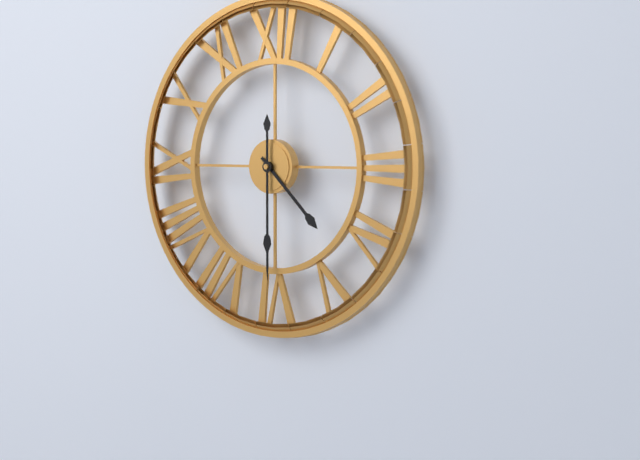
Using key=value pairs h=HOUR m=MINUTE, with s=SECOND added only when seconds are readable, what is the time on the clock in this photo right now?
h=4 m=30
